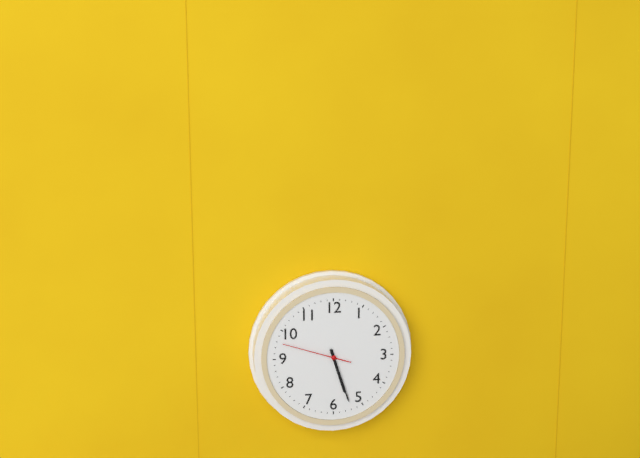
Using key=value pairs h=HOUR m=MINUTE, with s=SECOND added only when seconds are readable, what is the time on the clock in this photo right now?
h=5 m=27 s=48
